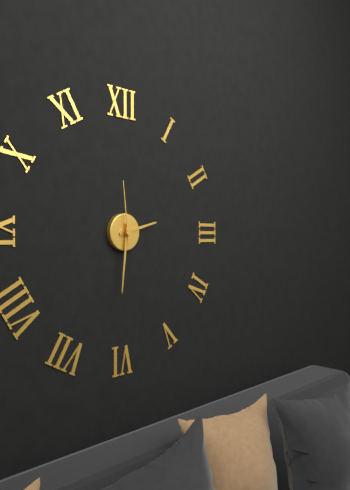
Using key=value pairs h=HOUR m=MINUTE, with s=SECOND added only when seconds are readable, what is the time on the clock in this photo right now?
h=2 m=31 s=59
